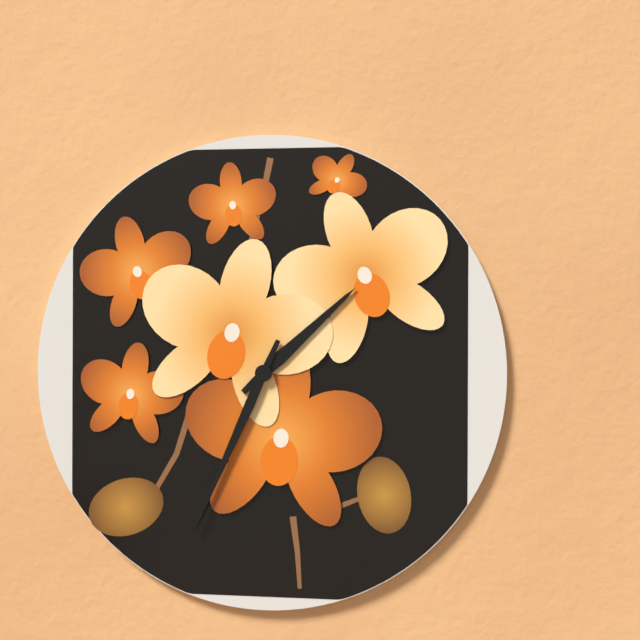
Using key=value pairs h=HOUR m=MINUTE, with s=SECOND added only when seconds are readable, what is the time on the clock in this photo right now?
h=1 m=34
